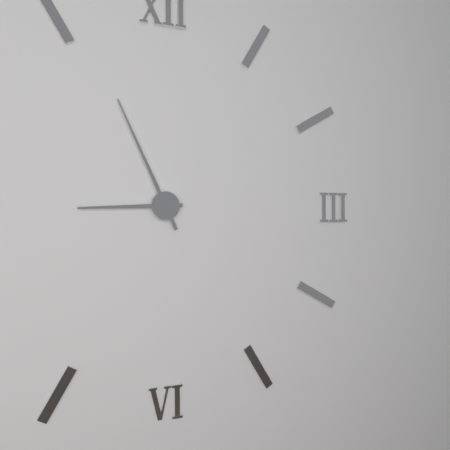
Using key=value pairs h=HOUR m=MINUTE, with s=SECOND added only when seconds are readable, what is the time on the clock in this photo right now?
h=8 m=56
